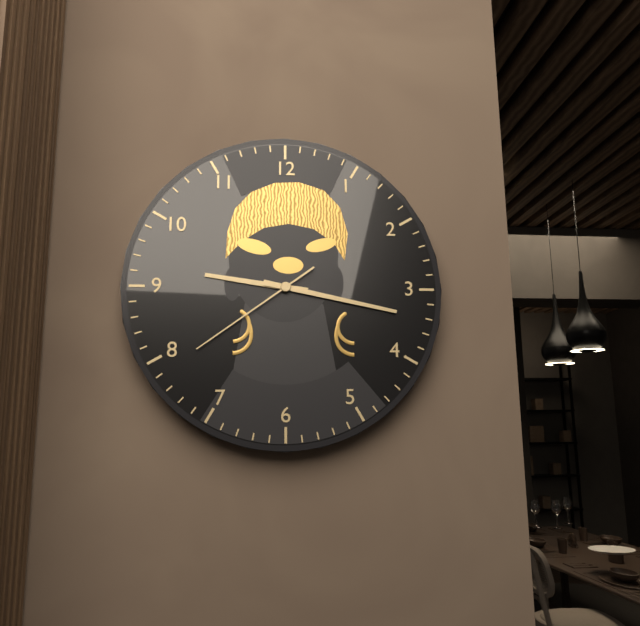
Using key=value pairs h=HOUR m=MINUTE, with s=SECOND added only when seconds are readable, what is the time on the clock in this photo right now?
h=9 m=17 s=39
